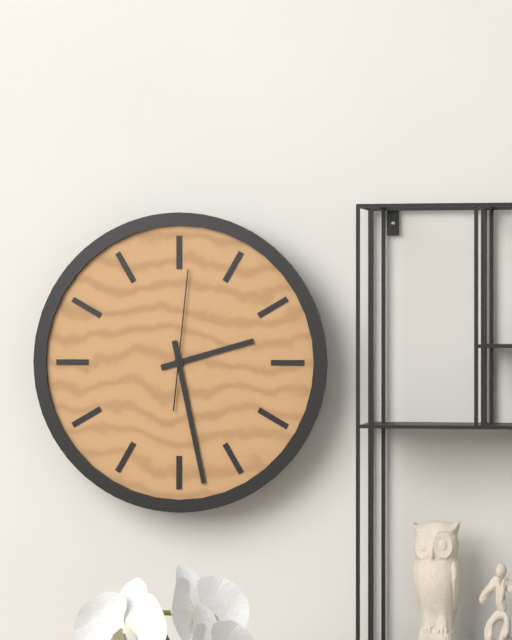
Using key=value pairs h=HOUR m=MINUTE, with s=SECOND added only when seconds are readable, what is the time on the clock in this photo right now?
h=2 m=28 s=1
